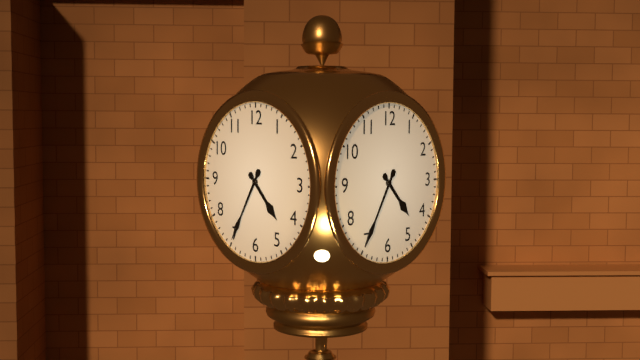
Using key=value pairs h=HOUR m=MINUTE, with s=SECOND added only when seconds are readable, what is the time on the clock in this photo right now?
h=4 m=35
